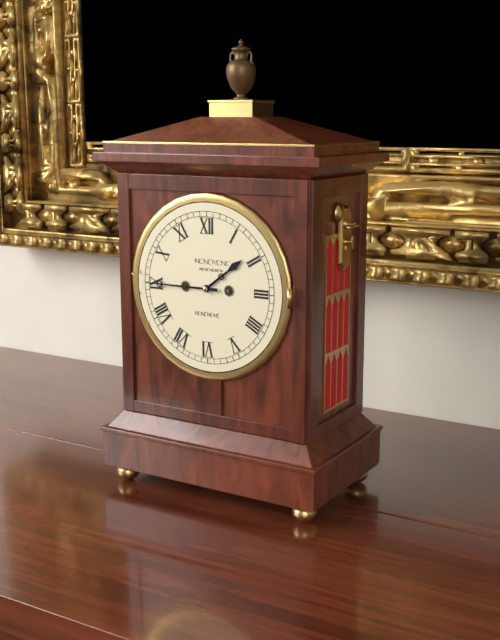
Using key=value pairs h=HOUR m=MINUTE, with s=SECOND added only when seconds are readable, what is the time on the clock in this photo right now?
h=1 m=45
